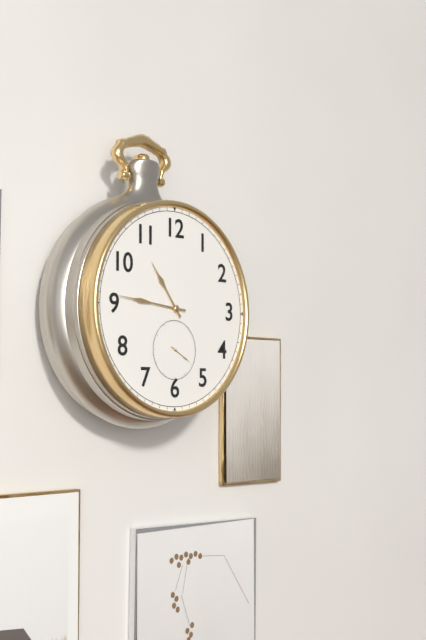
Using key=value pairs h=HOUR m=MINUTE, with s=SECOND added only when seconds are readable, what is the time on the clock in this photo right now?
h=10 m=46
